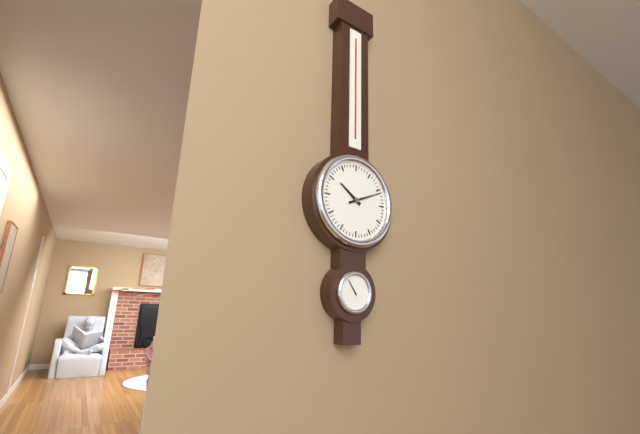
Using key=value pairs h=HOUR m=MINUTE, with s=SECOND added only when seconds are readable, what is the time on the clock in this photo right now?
h=10 m=11
